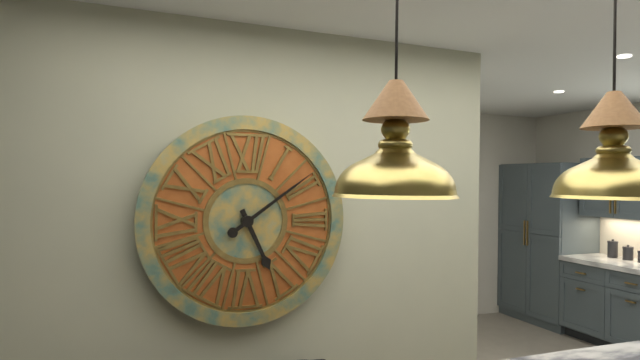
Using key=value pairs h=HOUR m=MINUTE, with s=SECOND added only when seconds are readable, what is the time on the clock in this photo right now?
h=5 m=9
